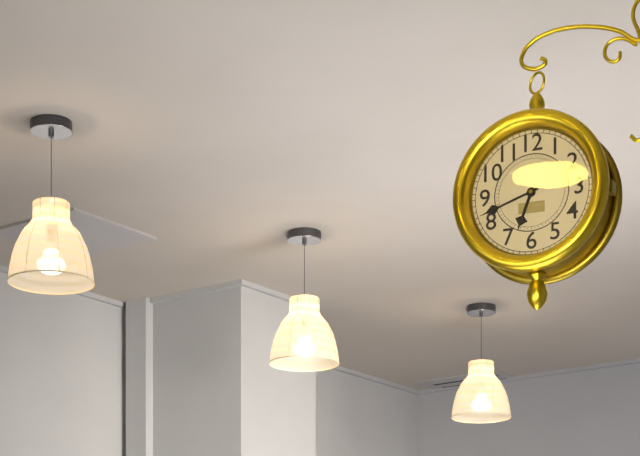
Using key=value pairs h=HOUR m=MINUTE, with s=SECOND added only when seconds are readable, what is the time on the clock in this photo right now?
h=6 m=42
